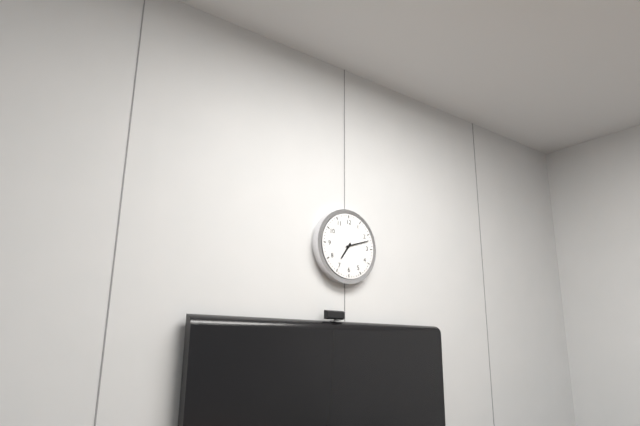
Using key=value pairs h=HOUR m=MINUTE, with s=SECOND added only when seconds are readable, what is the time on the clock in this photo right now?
h=7 m=12
